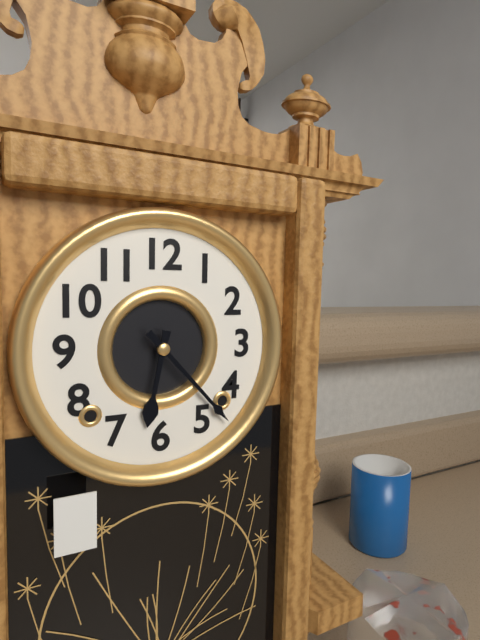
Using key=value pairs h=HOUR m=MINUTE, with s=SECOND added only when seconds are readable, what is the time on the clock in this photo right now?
h=6 m=23
